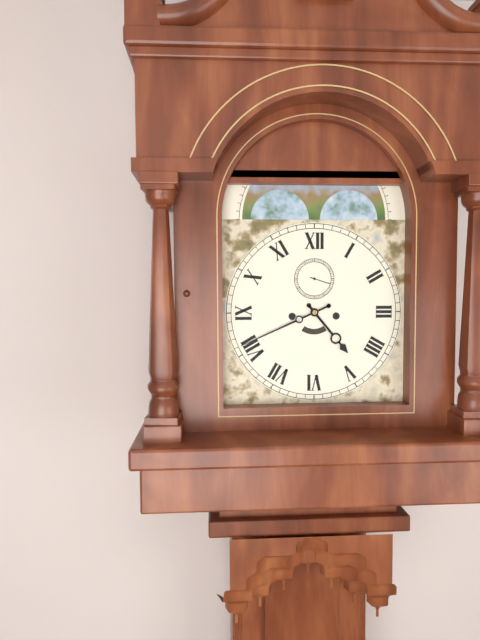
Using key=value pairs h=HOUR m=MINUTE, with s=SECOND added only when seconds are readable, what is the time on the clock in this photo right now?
h=4 m=41
